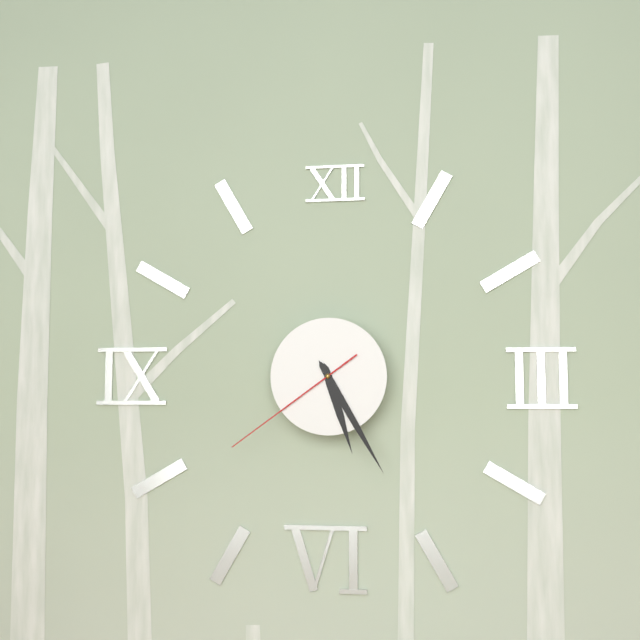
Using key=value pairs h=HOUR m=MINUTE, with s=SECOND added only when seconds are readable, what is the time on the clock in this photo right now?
h=5 m=25 s=39
